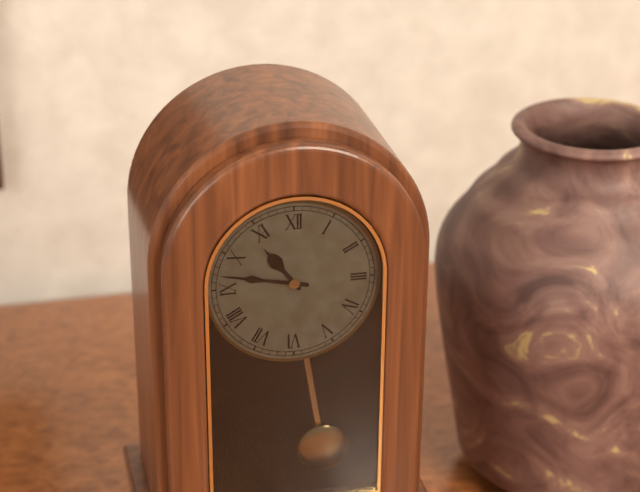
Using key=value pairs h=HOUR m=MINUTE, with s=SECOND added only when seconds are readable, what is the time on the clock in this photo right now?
h=10 m=47
